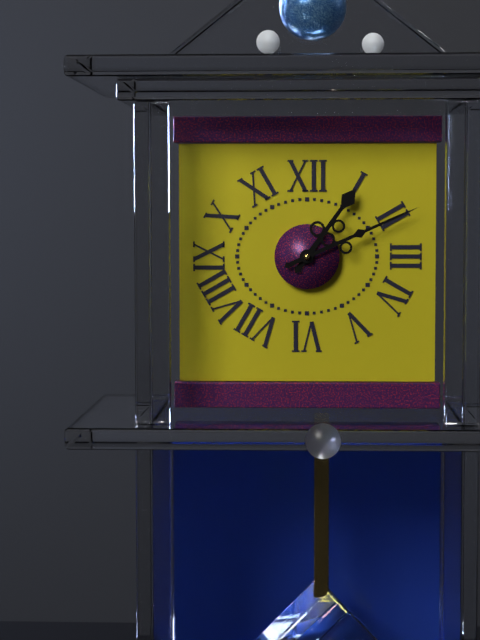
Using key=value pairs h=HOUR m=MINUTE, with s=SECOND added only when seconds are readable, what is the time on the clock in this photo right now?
h=1 m=11
